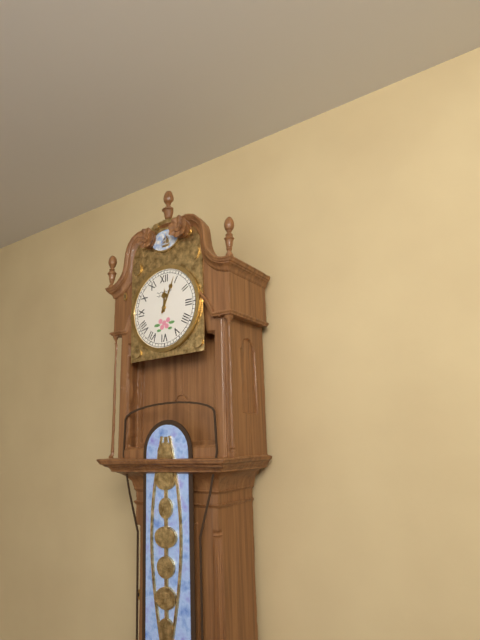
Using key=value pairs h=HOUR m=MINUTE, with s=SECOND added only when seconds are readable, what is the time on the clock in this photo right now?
h=12 m=4
